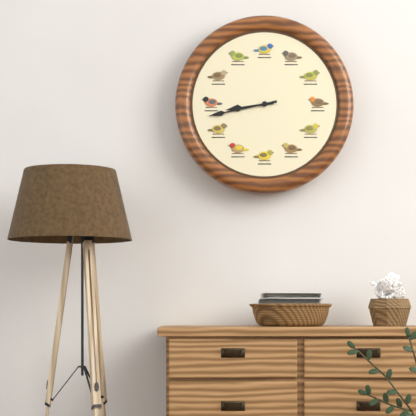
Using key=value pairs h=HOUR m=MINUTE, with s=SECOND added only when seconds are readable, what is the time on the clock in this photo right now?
h=8 m=43
